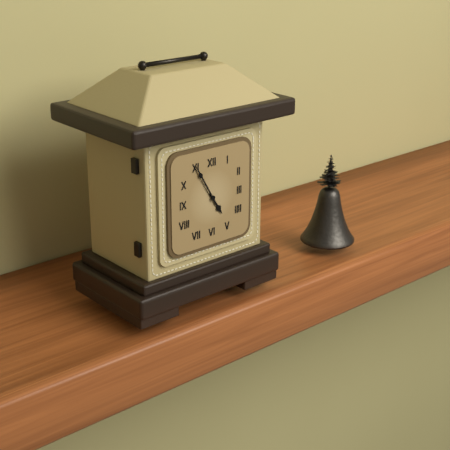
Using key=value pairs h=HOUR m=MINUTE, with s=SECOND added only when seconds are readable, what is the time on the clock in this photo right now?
h=4 m=55
